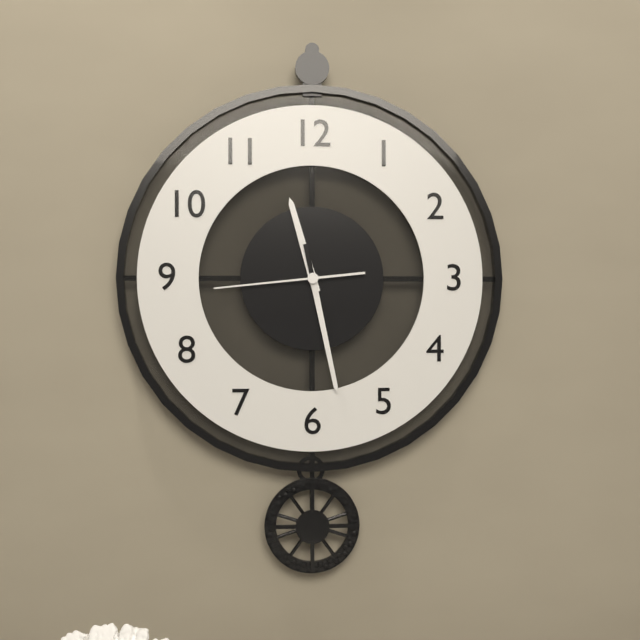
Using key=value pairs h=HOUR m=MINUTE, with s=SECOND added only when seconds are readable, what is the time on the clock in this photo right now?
h=11 m=28 s=44
